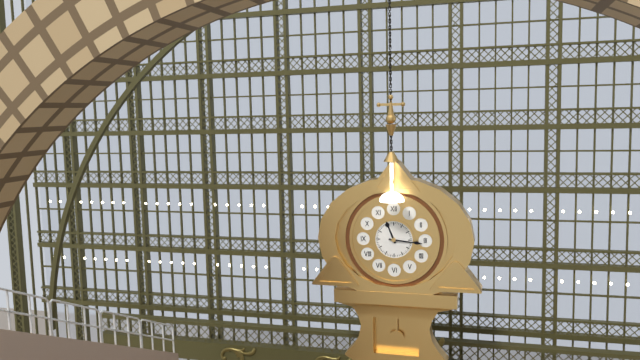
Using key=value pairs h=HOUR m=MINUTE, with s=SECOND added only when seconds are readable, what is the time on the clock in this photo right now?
h=11 m=16
